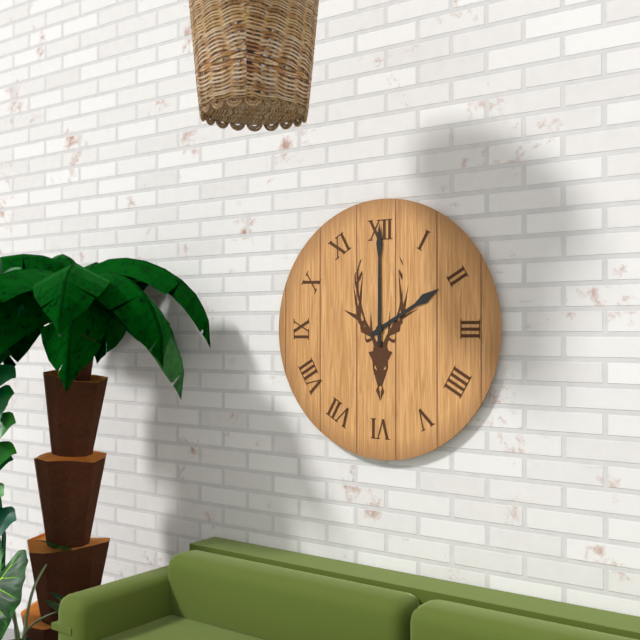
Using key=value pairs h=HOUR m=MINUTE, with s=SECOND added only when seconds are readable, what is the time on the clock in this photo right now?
h=2 m=0
